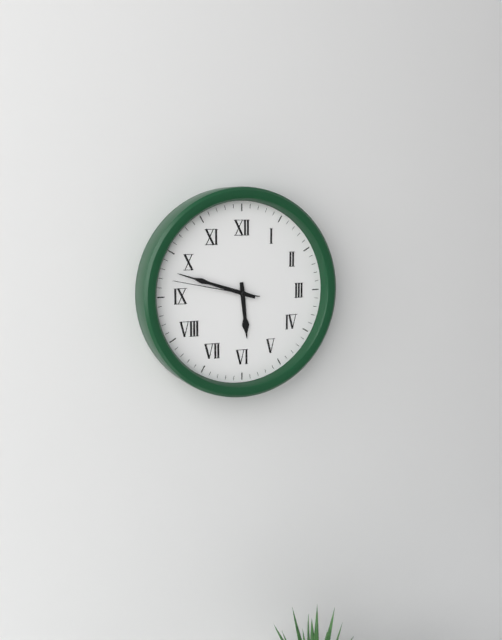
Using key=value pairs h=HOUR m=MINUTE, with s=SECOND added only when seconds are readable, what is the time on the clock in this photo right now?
h=5 m=48 s=47
